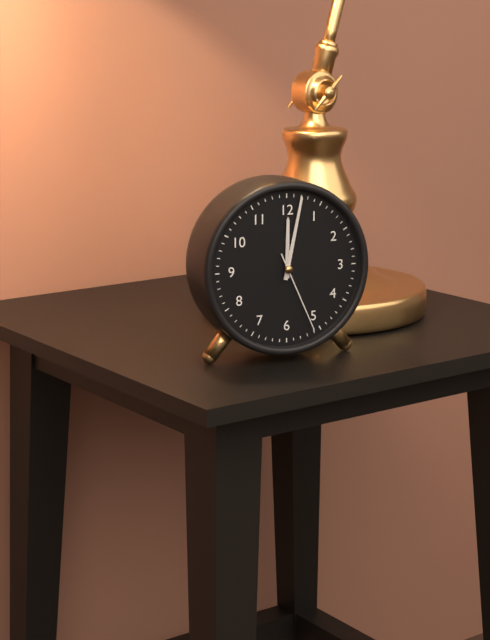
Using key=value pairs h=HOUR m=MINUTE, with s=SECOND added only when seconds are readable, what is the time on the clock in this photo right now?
h=12 m=2 s=26
